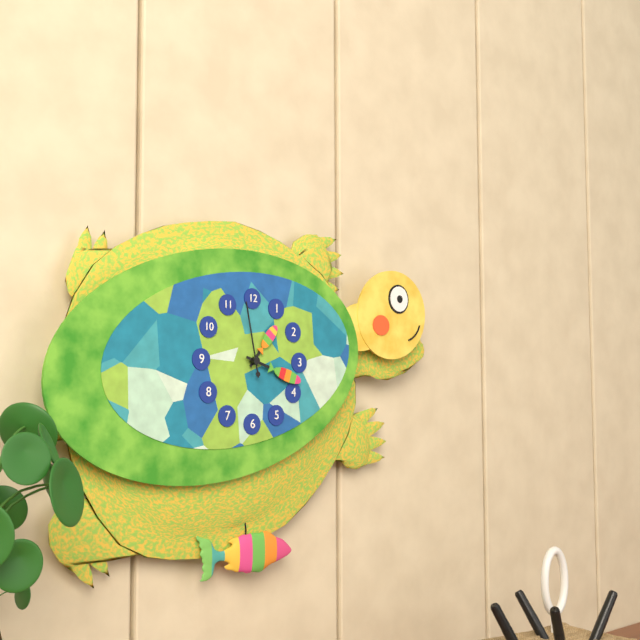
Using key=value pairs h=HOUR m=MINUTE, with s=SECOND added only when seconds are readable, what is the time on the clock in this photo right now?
h=1 m=18 s=58
